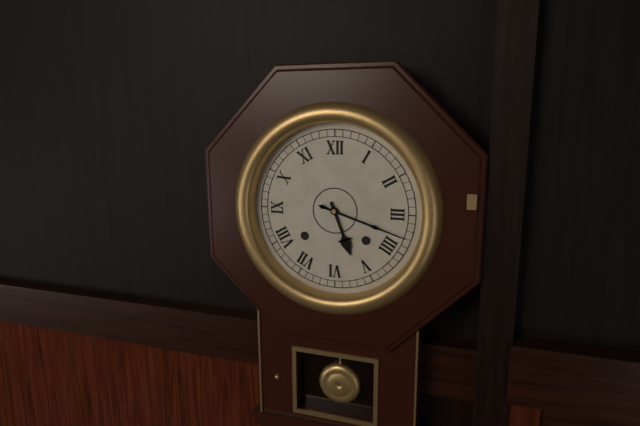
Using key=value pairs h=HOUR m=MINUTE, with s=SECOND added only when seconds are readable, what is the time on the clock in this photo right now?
h=5 m=18
